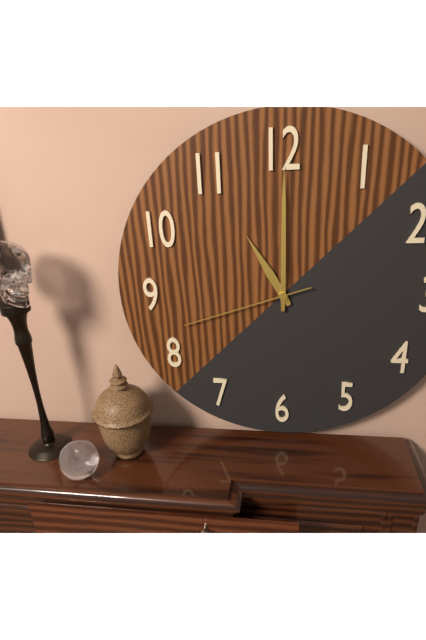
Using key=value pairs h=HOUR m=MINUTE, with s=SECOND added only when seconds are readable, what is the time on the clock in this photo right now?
h=11 m=0 s=42
